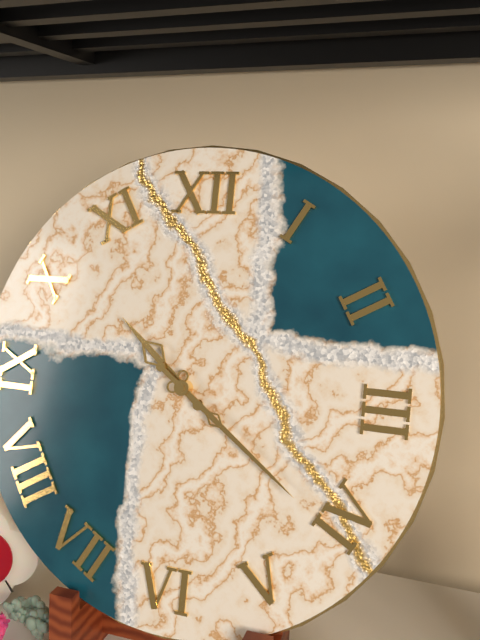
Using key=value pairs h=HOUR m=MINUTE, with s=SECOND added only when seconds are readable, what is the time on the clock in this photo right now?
h=10 m=21
